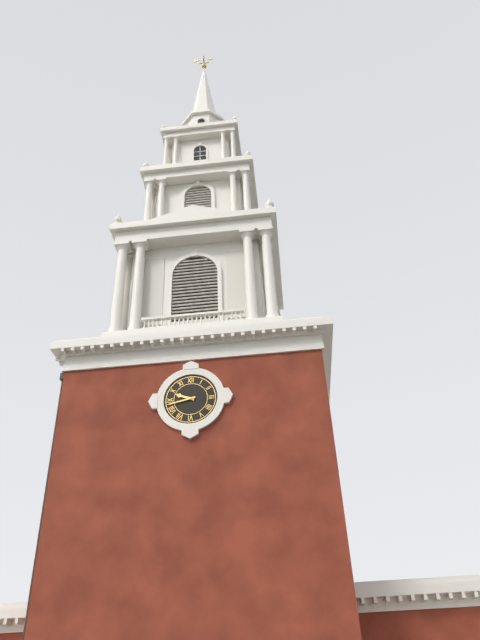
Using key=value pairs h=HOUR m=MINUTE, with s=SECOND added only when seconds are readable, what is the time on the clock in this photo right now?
h=9 m=43
